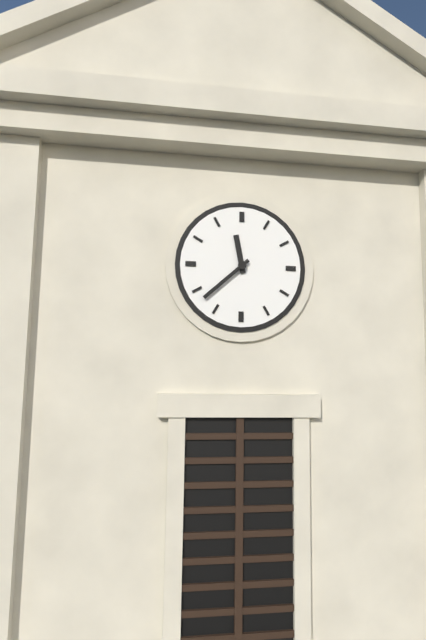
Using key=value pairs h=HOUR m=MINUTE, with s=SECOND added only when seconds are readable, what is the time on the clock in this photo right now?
h=11 m=38
